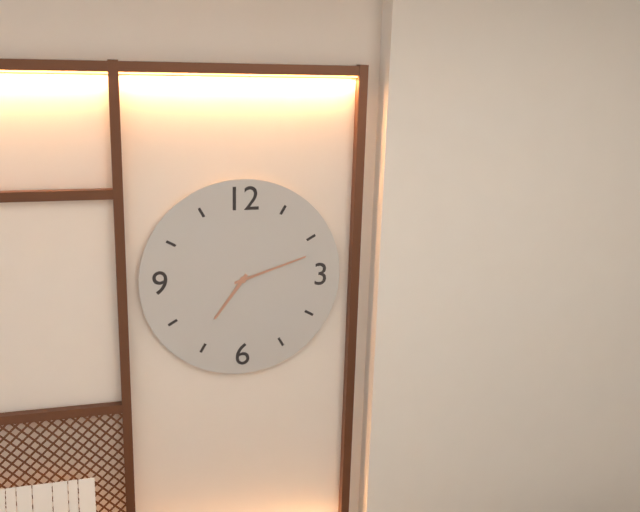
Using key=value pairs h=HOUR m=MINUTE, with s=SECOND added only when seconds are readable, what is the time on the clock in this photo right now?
h=7 m=12
